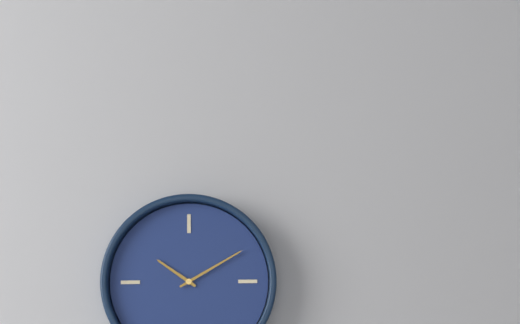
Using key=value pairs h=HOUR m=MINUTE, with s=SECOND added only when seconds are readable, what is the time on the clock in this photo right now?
h=10 m=10
